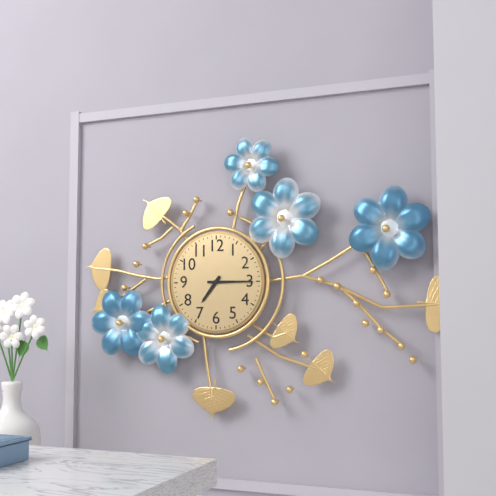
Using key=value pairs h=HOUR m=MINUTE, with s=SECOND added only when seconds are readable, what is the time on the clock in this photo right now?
h=7 m=15
